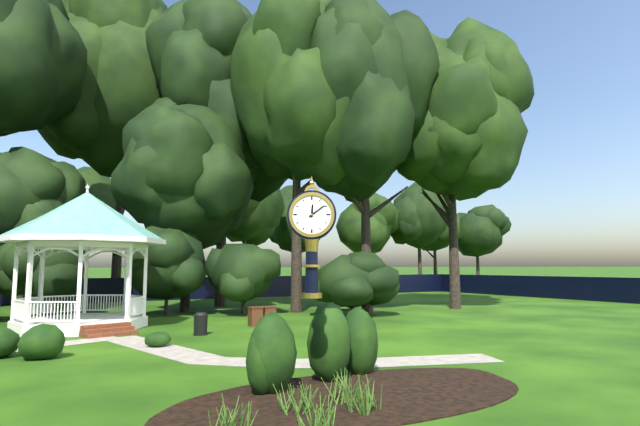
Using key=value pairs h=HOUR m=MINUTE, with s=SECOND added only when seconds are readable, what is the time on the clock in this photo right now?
h=12 m=9
